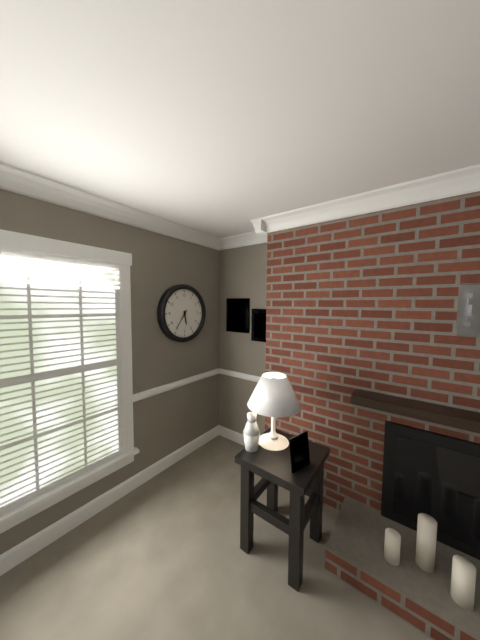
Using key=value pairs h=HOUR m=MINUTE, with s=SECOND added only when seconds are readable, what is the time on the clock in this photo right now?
h=5 m=36
